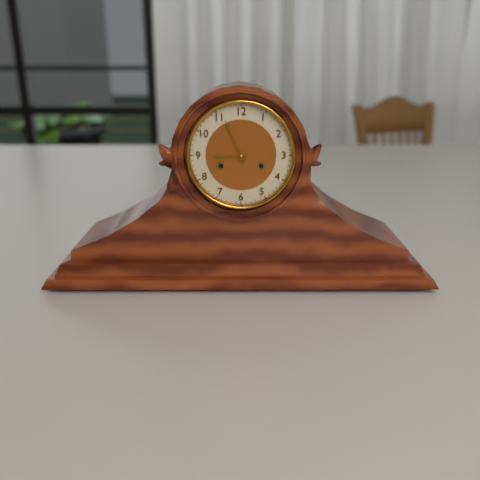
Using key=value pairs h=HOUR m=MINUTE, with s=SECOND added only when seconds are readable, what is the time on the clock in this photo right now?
h=8 m=56
